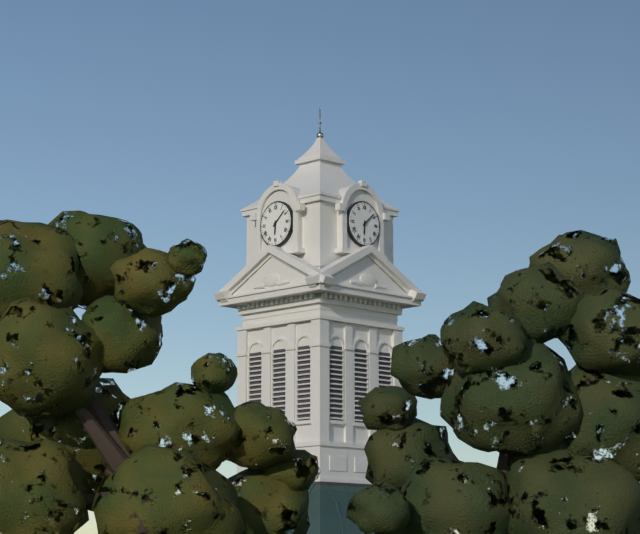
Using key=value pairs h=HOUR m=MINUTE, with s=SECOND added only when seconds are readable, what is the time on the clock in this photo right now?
h=6 m=8
